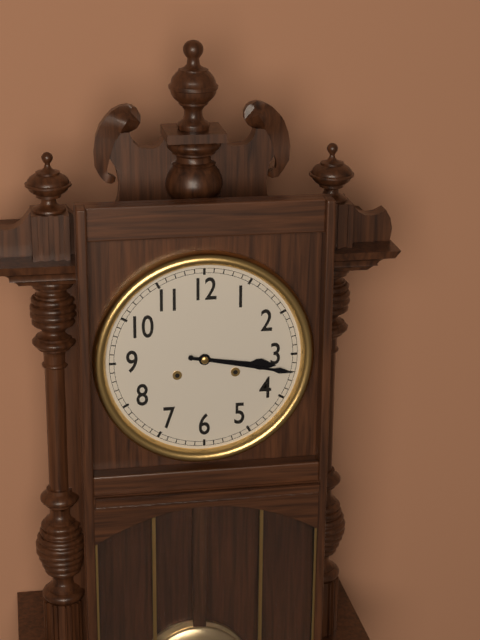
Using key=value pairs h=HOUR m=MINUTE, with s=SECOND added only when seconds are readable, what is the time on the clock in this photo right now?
h=3 m=17
